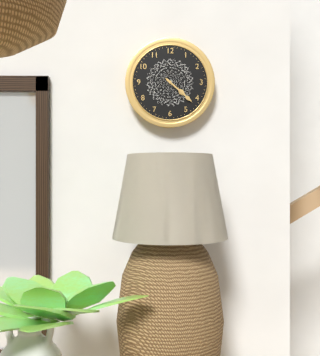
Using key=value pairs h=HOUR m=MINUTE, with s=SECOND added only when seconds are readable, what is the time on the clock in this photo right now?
h=4 m=22
